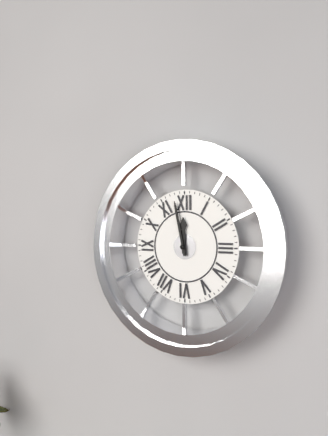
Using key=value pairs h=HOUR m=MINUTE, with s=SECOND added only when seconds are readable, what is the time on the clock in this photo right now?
h=11 m=58
